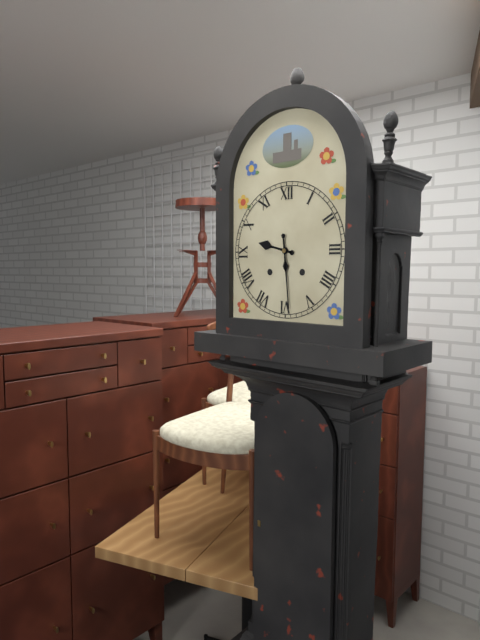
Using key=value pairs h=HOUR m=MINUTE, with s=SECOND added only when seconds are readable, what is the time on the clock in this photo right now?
h=9 m=29
